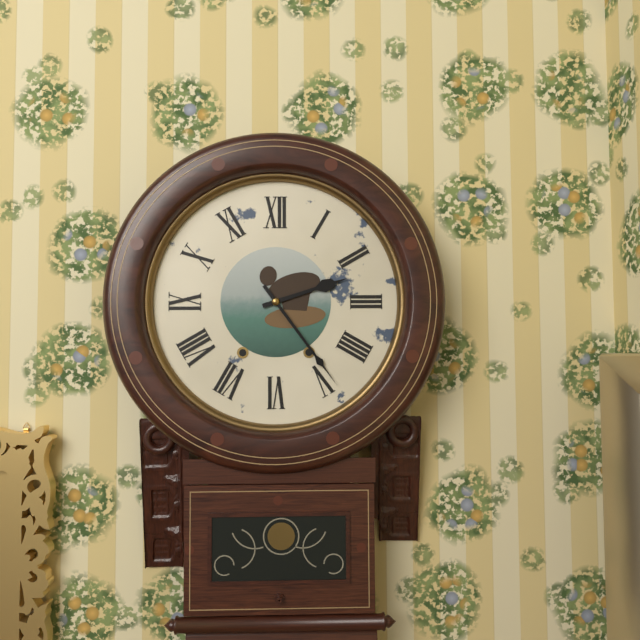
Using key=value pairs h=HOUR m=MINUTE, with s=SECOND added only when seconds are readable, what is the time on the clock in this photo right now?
h=2 m=24
